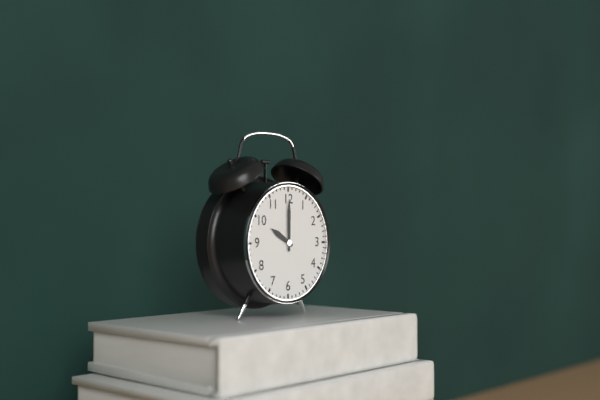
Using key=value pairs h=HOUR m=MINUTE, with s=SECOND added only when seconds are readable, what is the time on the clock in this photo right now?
h=10 m=0
